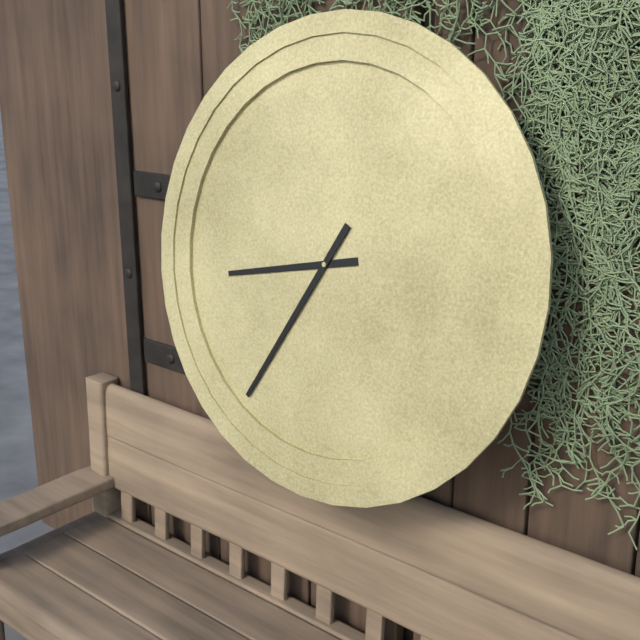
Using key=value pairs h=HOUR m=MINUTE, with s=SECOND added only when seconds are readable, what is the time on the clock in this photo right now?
h=8 m=35
